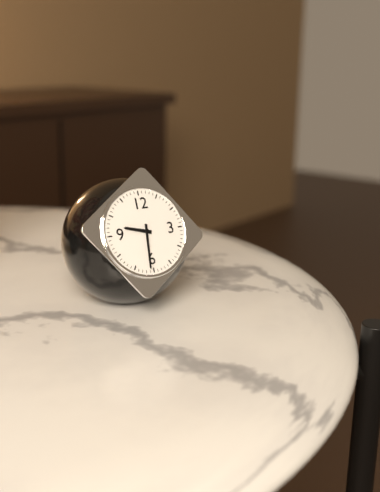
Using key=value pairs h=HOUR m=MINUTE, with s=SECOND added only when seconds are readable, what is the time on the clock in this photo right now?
h=9 m=31
